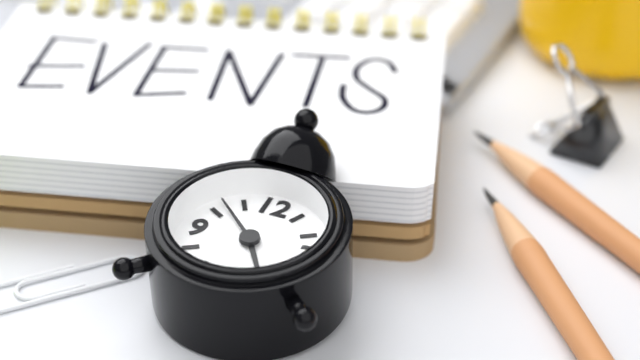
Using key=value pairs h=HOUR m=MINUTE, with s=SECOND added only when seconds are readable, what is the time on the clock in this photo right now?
h=4 m=52
